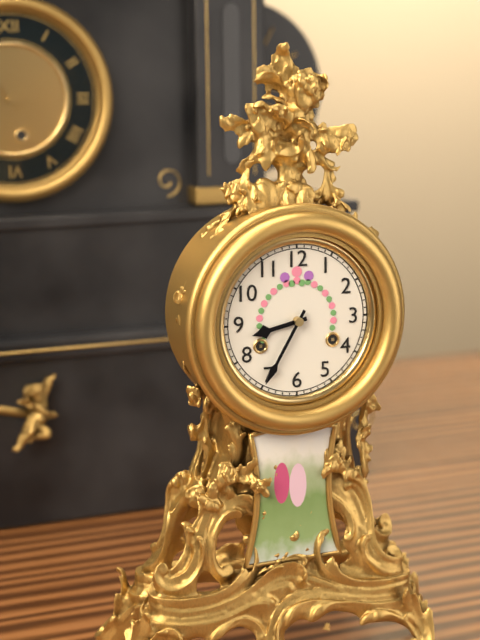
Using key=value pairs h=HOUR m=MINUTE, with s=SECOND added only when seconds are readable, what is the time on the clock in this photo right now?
h=8 m=35
